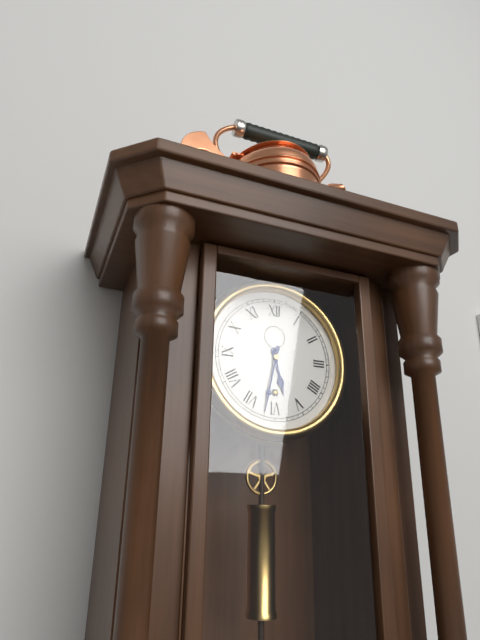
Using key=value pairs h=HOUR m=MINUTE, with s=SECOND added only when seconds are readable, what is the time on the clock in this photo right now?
h=5 m=32
